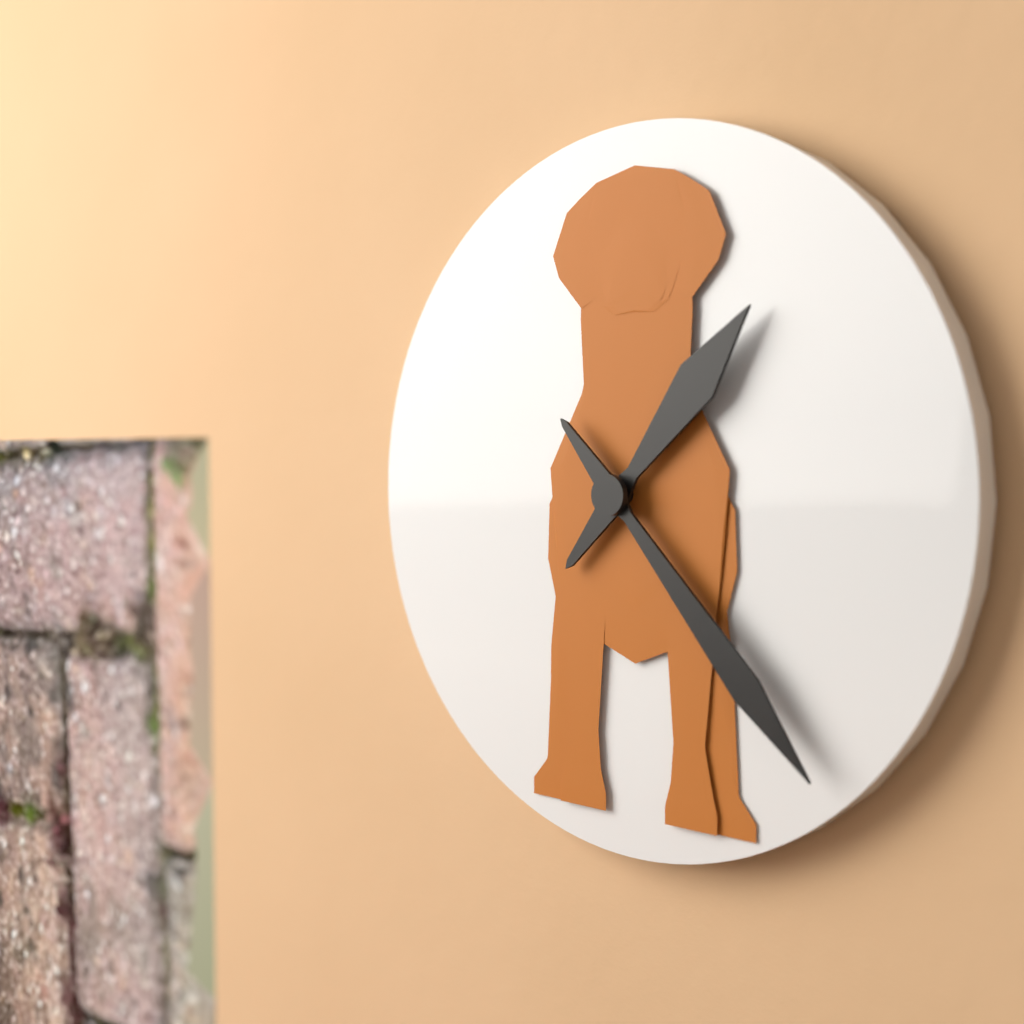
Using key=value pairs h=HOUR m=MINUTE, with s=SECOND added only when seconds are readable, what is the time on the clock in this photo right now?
h=1 m=23
